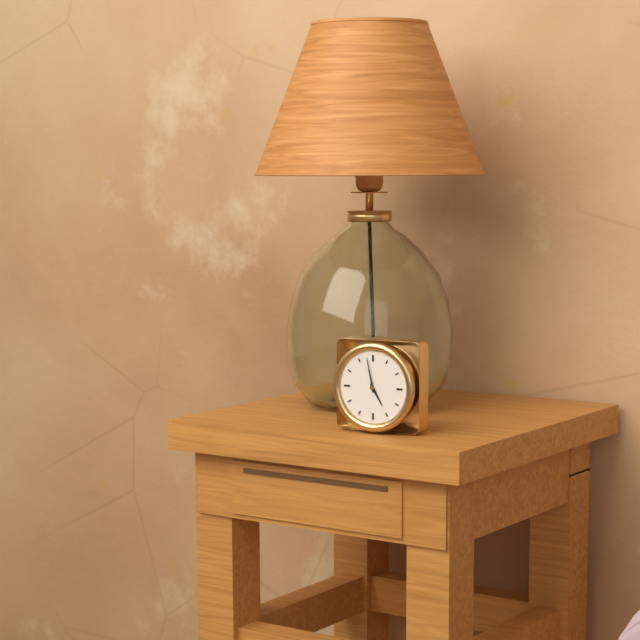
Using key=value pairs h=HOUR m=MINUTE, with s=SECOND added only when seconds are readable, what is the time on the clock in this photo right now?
h=4 m=58
